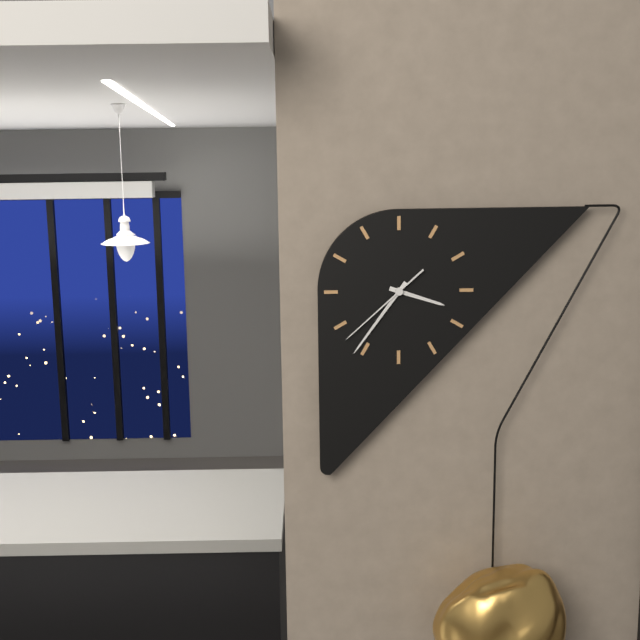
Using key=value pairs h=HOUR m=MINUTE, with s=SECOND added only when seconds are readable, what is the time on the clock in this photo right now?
h=3 m=36 s=38
